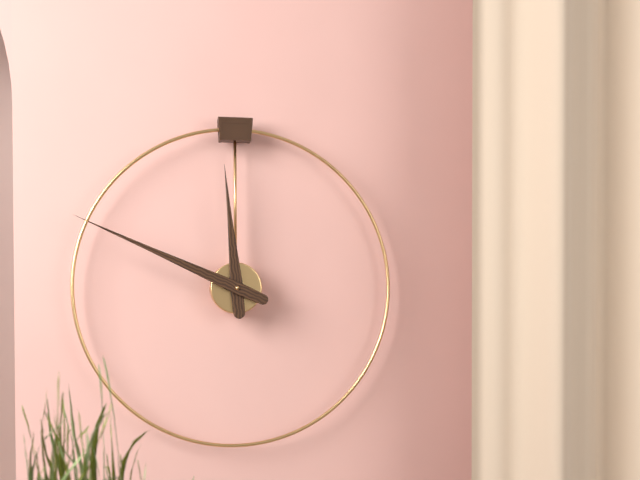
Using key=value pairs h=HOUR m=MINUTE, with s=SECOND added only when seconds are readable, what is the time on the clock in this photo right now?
h=11 m=49
